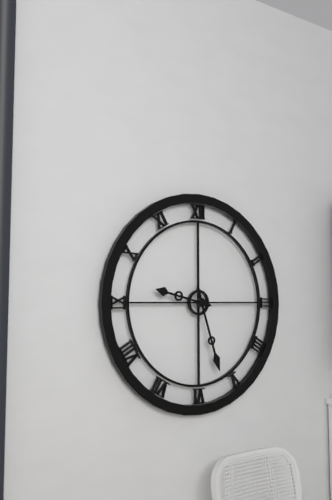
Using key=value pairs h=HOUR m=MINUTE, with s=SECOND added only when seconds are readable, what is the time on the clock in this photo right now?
h=9 m=27
